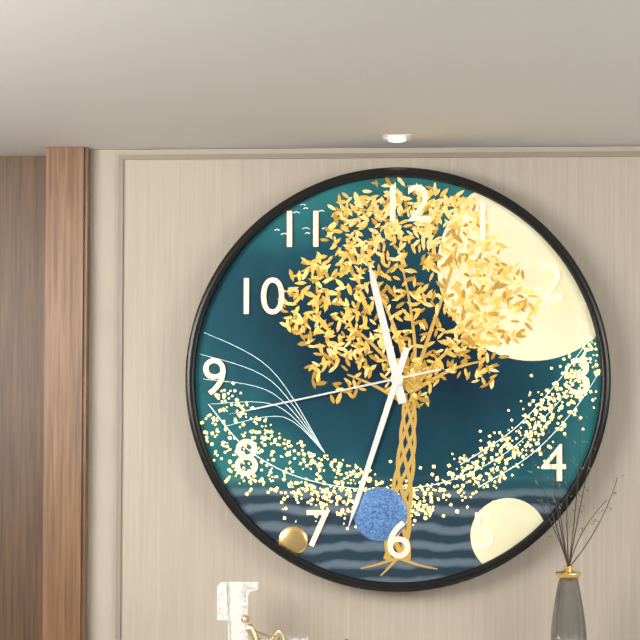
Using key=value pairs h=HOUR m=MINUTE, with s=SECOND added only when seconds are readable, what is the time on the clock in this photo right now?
h=11 m=33 s=43
